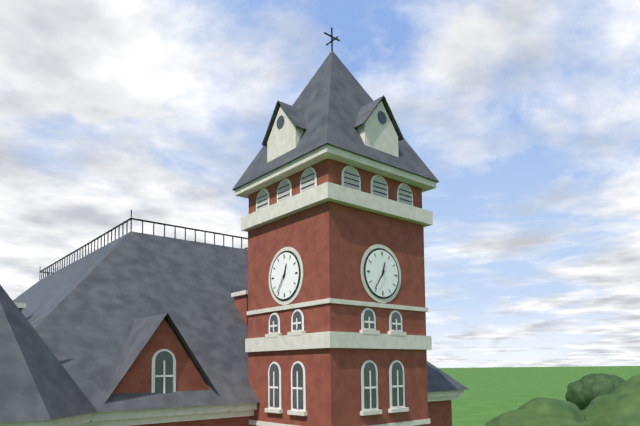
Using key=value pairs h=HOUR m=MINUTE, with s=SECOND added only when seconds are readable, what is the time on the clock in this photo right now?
h=12 m=36
